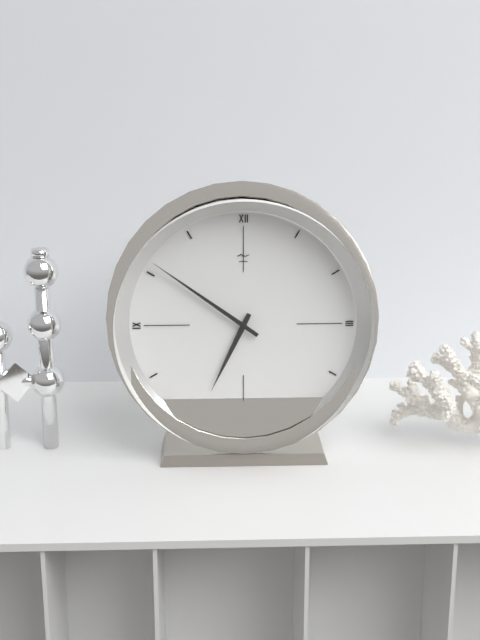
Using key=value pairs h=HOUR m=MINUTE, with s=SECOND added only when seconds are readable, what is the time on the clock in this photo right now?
h=6 m=51
